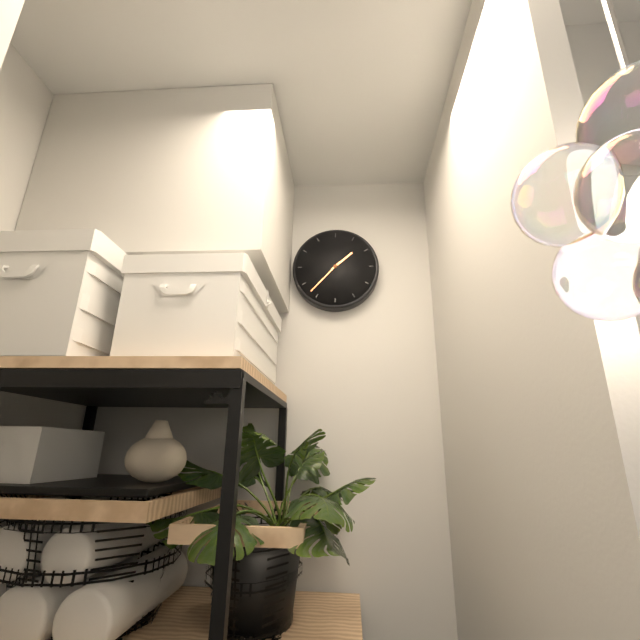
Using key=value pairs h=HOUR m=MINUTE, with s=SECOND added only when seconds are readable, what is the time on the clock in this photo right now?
h=1 m=37
